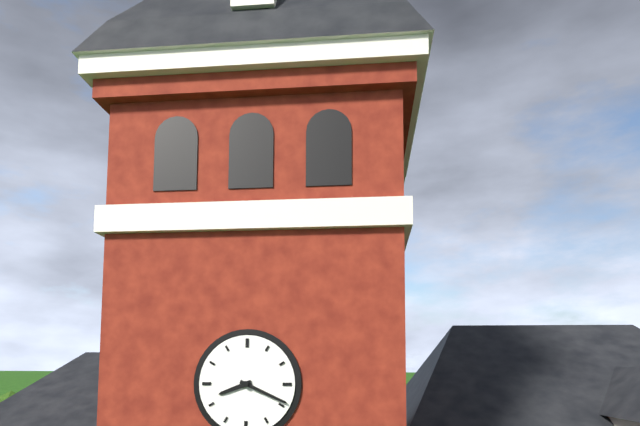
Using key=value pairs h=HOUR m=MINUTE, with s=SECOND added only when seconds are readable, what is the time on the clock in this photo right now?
h=8 m=19
